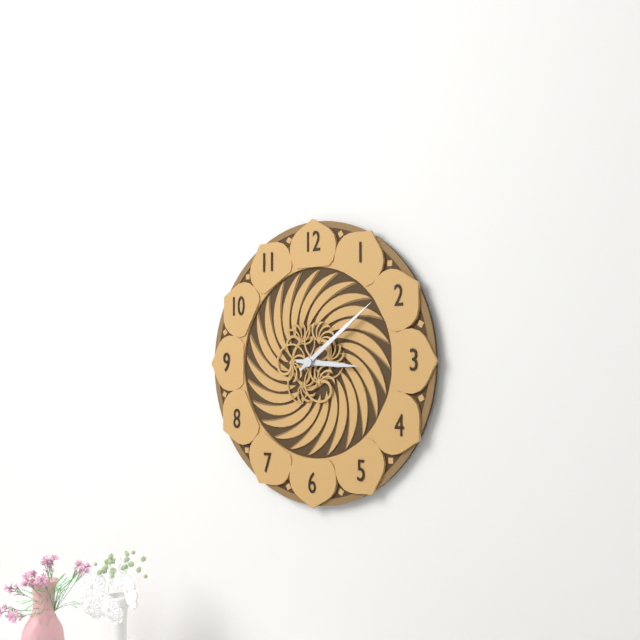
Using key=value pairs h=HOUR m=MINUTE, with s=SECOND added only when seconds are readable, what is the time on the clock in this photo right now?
h=3 m=9
